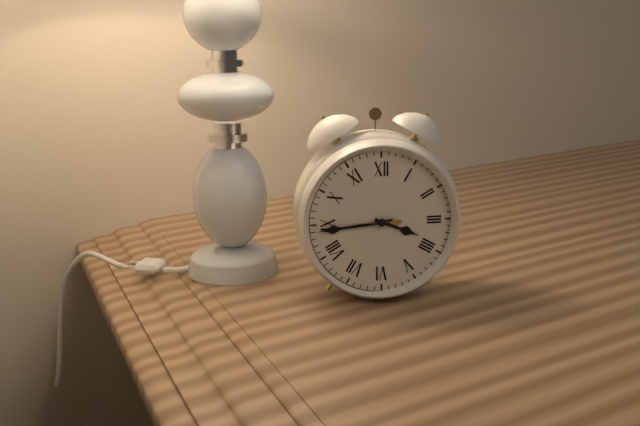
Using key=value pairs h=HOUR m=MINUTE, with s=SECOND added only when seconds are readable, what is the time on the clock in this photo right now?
h=3 m=44 s=45
